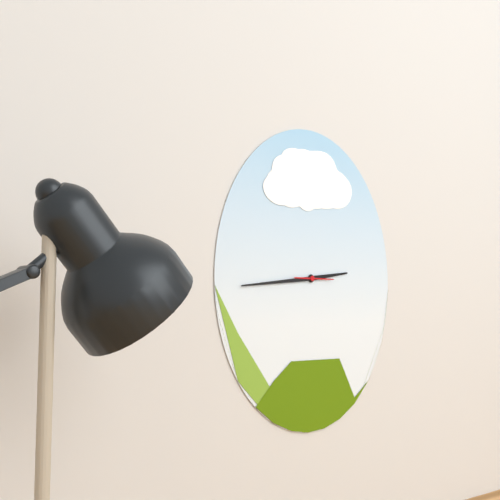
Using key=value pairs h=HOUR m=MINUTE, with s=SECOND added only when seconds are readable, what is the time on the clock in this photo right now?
h=2 m=44
